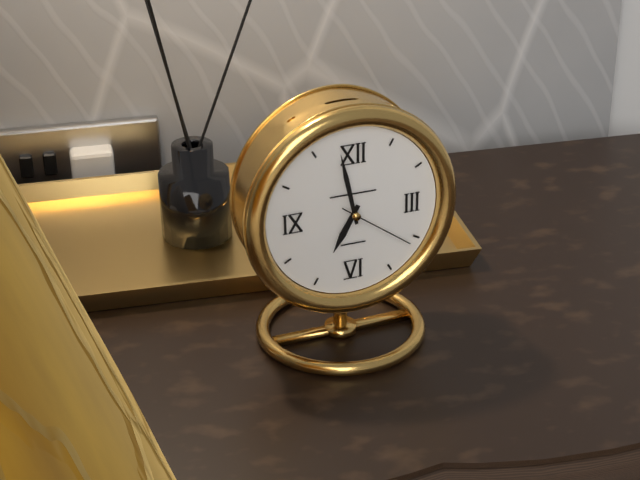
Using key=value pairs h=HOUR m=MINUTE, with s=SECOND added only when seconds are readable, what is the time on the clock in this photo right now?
h=6 m=58 s=21
